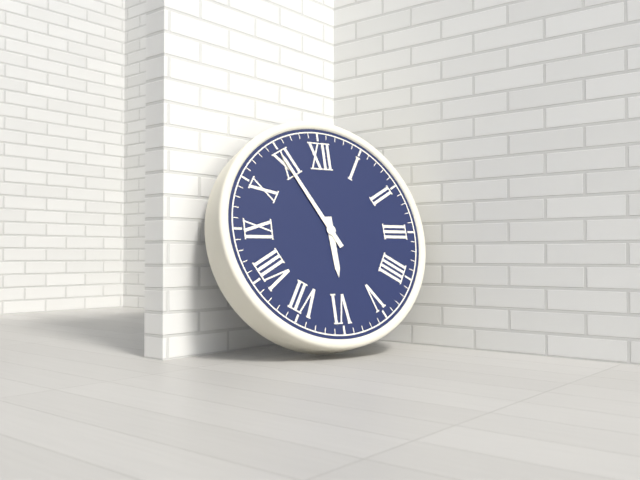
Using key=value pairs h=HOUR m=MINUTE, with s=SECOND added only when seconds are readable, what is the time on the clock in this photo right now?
h=5 m=55
